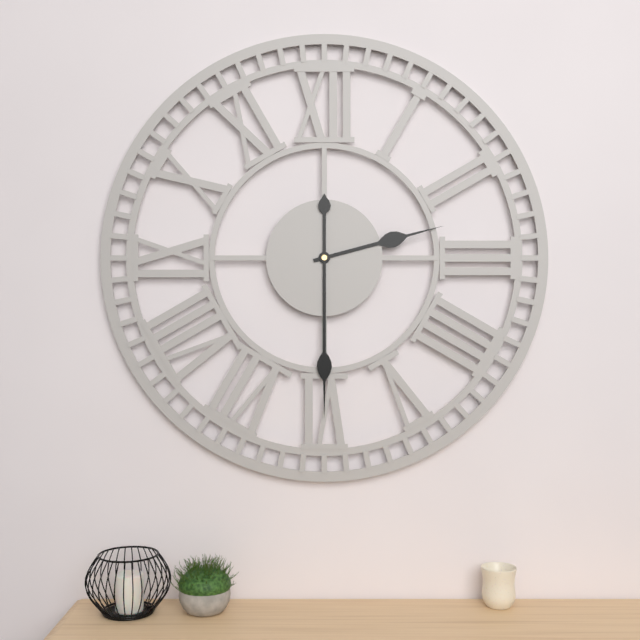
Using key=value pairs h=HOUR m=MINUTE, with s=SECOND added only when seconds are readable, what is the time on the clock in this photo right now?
h=2 m=30
